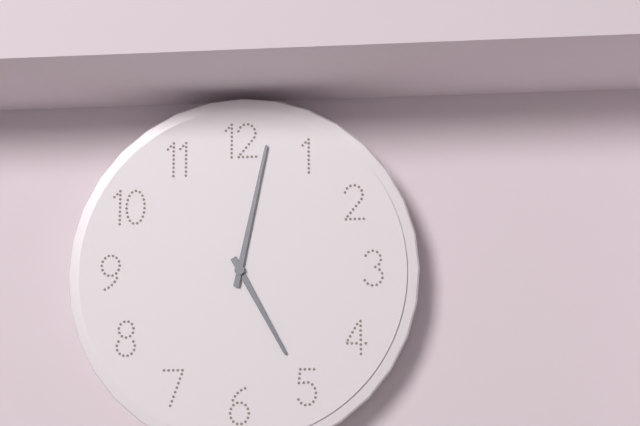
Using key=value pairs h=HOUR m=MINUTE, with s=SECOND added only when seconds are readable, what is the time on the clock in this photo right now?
h=5 m=2
